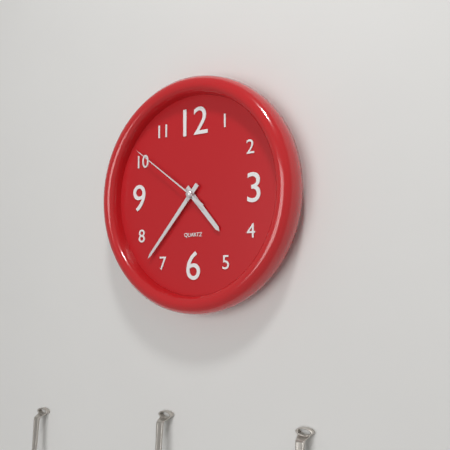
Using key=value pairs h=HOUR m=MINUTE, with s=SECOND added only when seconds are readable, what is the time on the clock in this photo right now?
h=4 m=37 s=51
